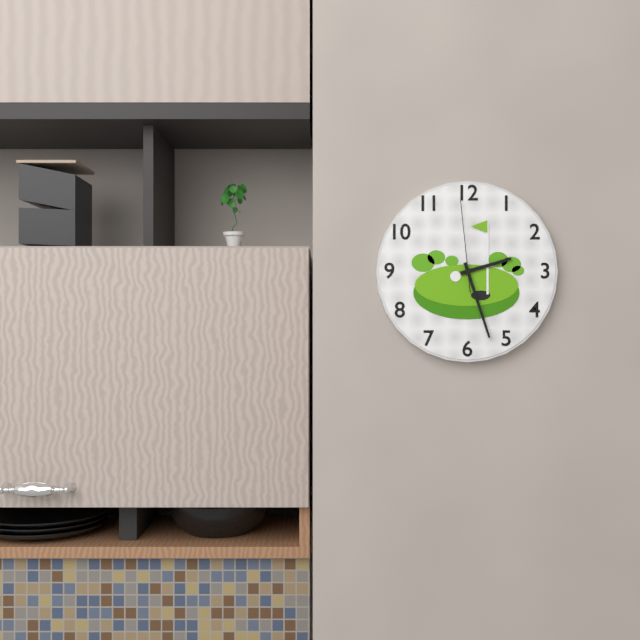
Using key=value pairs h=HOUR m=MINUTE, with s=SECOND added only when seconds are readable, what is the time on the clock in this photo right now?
h=2 m=27 s=59
